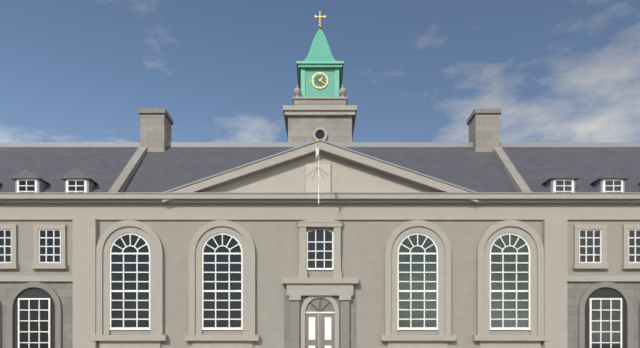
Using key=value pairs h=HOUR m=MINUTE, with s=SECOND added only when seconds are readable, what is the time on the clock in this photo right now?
h=1 m=21
